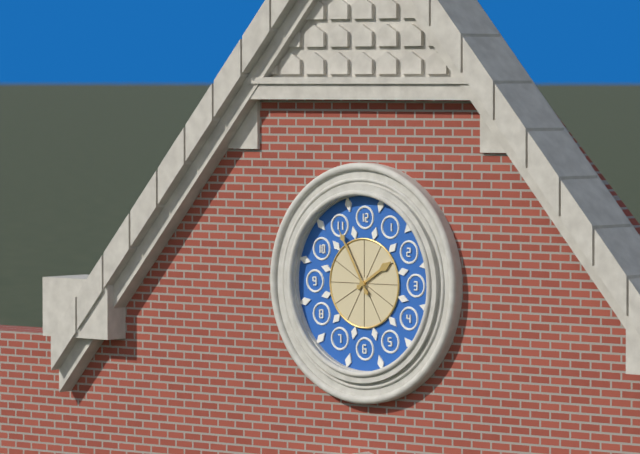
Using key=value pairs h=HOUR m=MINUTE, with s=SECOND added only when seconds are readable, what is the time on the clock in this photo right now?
h=1 m=55
